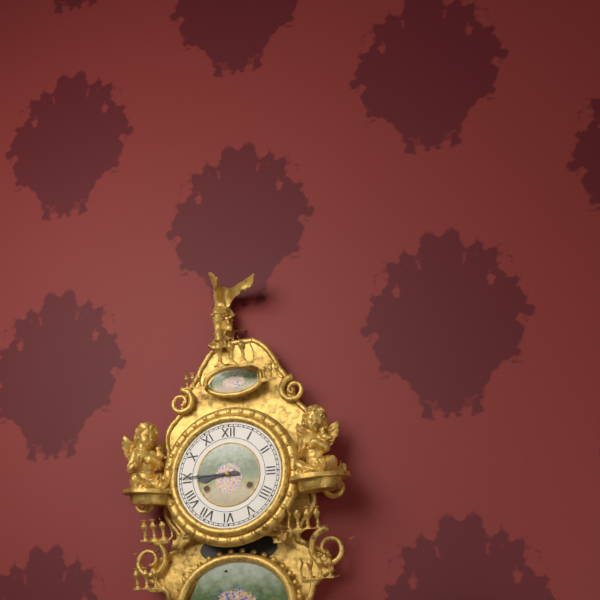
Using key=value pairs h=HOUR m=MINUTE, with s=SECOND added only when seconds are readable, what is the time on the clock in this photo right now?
h=8 m=45
